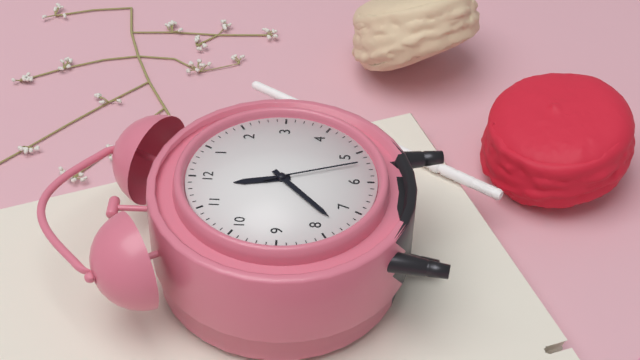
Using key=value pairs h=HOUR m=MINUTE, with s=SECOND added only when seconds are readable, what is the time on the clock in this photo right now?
h=11 m=38 s=27
